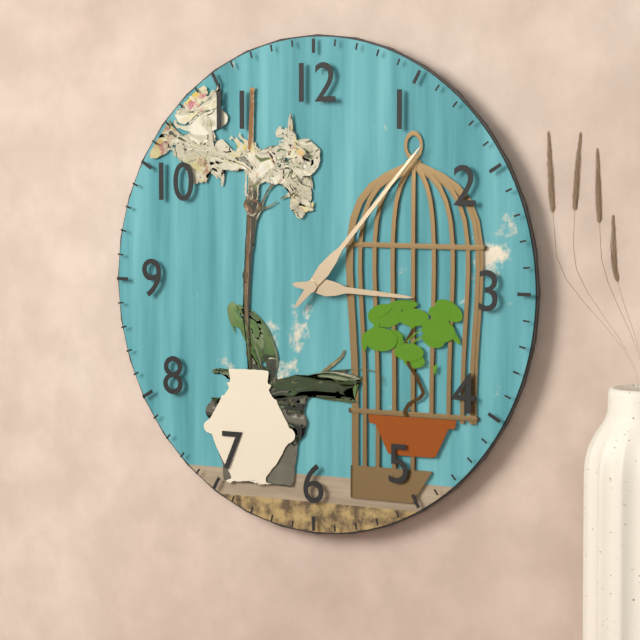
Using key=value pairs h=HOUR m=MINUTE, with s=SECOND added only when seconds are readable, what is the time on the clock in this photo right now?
h=3 m=7
